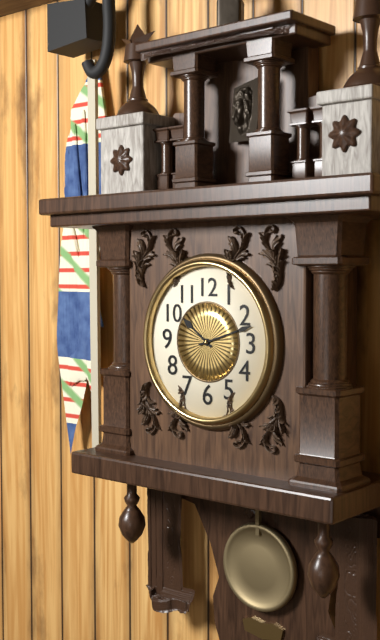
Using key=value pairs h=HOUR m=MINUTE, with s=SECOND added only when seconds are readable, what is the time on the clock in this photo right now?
h=10 m=12
